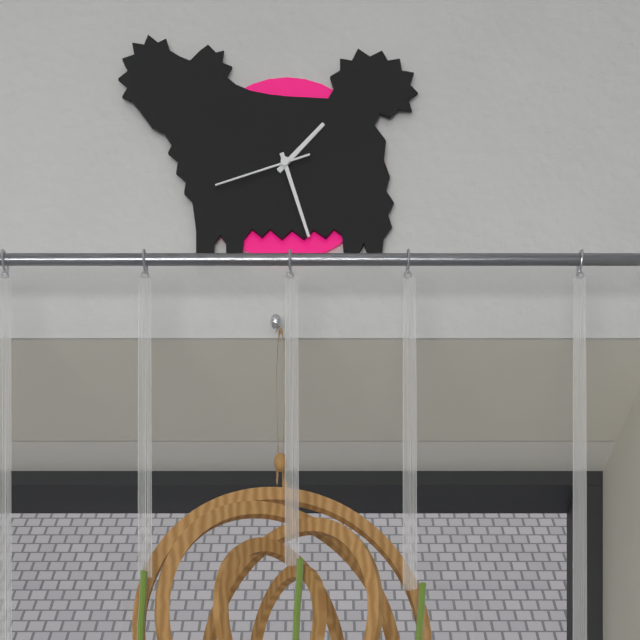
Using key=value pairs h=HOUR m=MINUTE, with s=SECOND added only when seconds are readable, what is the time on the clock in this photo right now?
h=1 m=27 s=42
